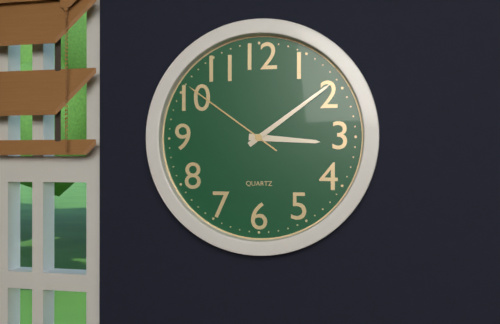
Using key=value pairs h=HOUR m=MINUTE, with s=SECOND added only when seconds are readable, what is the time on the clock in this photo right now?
h=3 m=9 s=51
